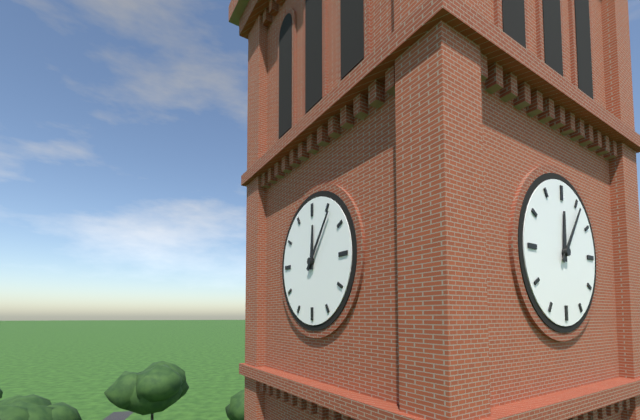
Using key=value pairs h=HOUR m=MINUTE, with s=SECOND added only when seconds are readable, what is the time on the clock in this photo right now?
h=12 m=6
